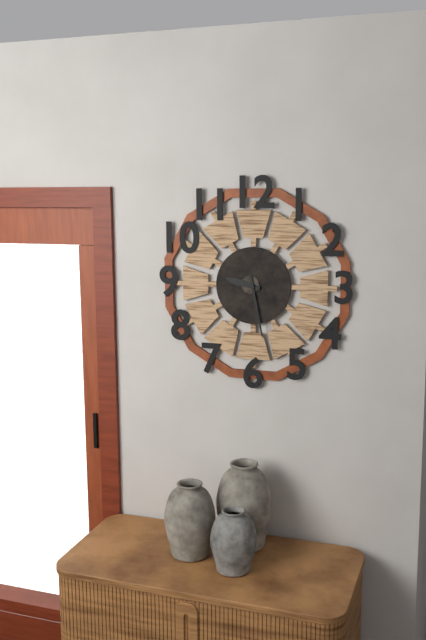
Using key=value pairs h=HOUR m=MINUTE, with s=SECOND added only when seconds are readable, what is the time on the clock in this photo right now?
h=9 m=28
